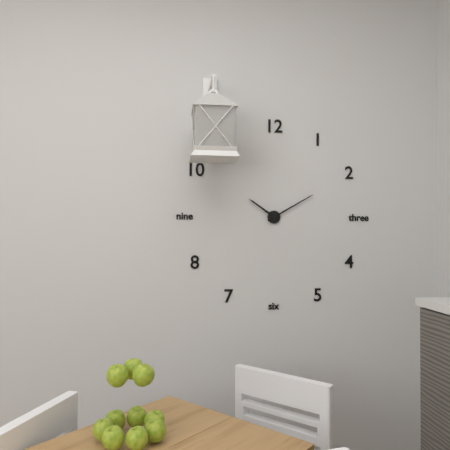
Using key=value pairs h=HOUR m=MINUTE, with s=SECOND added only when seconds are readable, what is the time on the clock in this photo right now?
h=10 m=10
